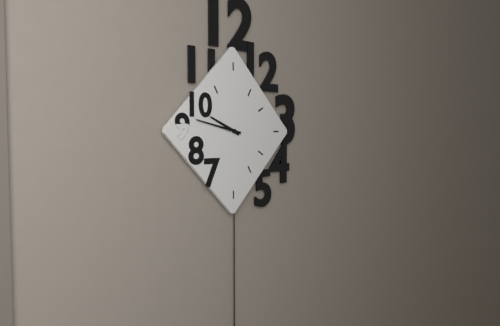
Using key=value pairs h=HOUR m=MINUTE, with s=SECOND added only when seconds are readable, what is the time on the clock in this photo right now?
h=9 m=47
